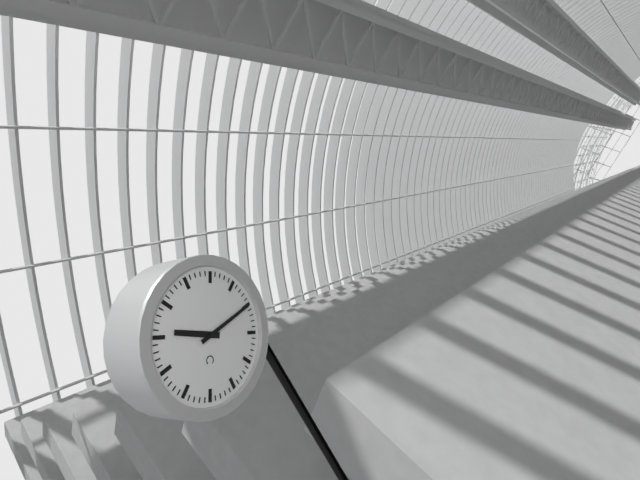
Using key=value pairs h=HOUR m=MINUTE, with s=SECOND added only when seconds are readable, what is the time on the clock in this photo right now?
h=9 m=10
